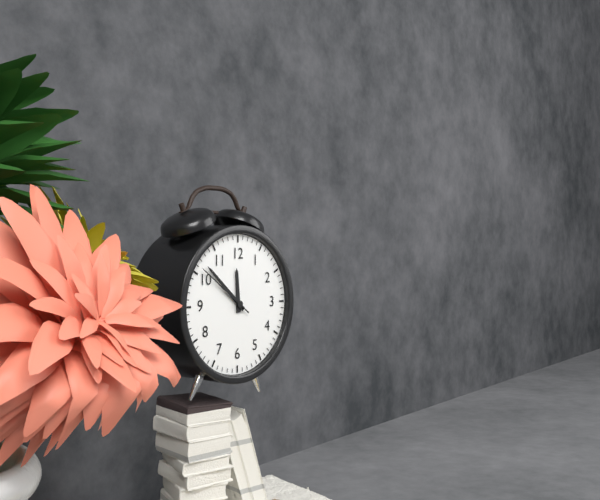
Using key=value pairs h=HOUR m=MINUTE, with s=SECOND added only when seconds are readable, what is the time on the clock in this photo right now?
h=11 m=52 s=51
